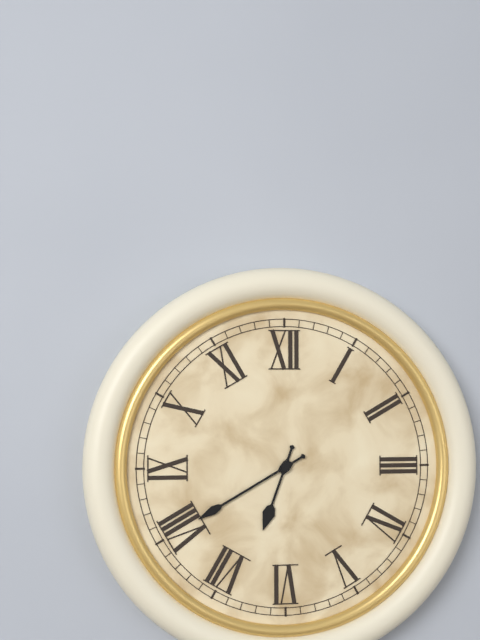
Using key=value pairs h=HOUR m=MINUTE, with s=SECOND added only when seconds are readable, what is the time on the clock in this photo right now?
h=6 m=40
